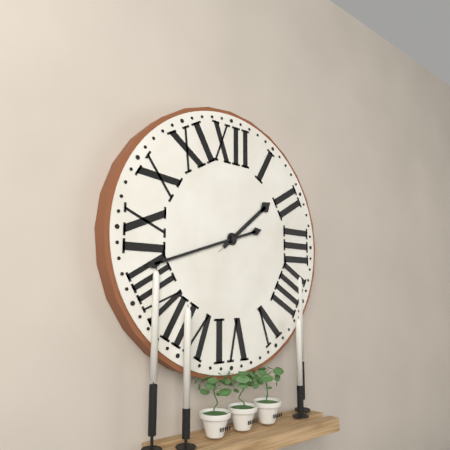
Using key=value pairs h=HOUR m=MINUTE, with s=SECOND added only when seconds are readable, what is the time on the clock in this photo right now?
h=1 m=42
